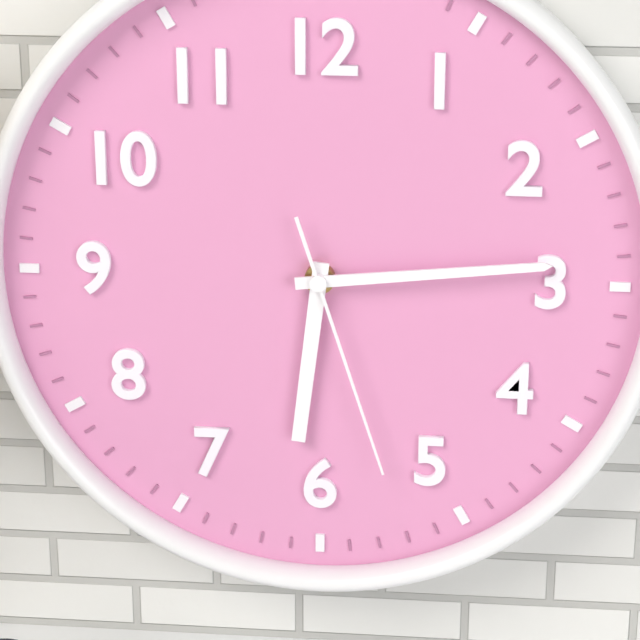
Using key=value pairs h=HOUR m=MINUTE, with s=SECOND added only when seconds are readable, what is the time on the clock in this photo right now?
h=6 m=14 s=27
